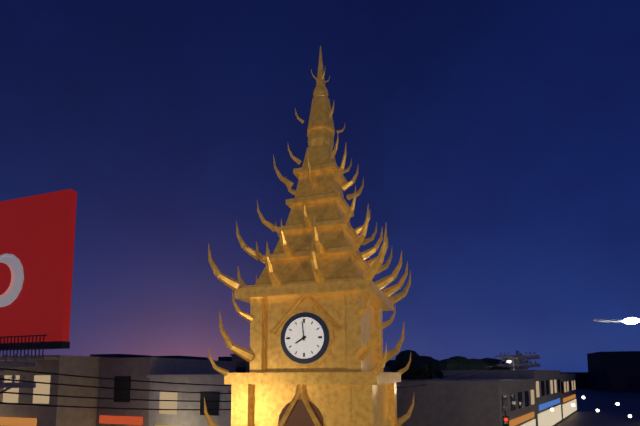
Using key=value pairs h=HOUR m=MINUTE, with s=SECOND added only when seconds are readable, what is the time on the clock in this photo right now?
h=7 m=59
